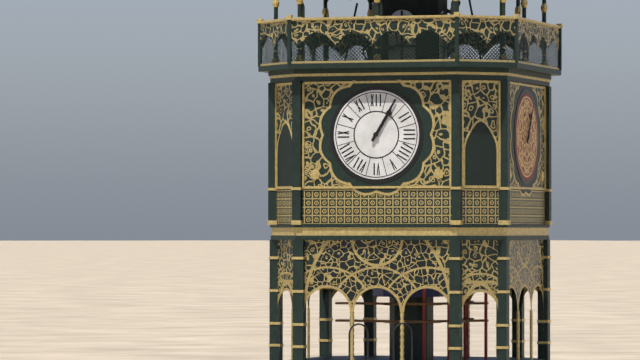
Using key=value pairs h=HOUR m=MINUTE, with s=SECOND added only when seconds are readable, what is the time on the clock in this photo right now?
h=1 m=5
